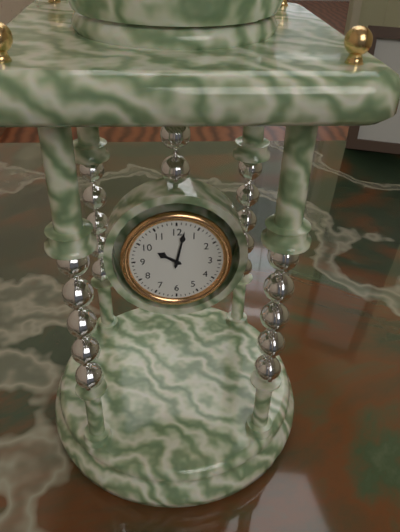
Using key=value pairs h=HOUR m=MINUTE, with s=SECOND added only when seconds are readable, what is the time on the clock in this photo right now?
h=10 m=2
